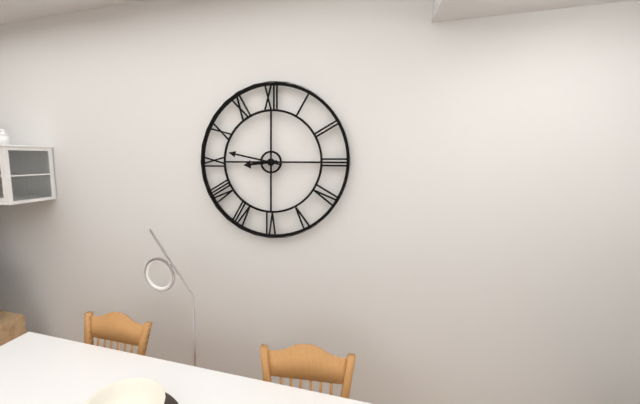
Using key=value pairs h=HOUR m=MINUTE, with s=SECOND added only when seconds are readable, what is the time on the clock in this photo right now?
h=8 m=47
